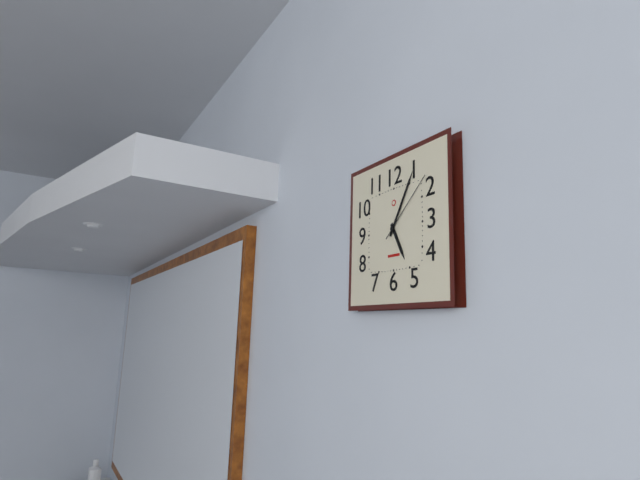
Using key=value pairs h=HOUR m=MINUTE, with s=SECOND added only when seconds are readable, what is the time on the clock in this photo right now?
h=5 m=5 s=8
